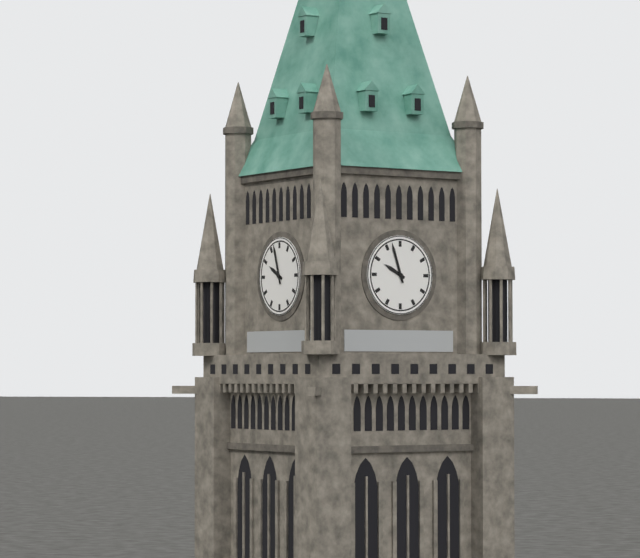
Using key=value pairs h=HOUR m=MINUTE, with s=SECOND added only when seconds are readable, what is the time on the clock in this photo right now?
h=9 m=57
